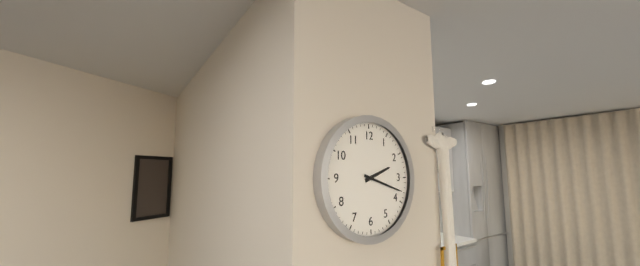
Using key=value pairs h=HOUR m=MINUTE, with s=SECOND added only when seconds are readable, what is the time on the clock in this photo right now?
h=2 m=18
